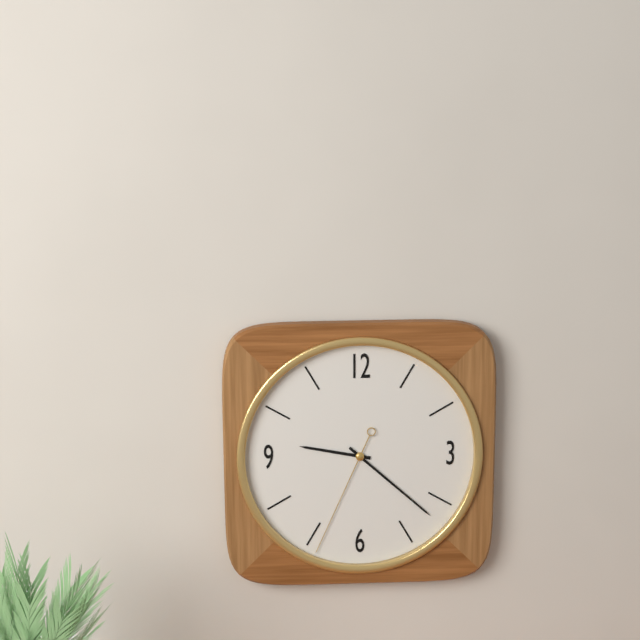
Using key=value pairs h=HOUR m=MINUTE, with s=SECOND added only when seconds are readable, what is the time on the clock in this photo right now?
h=9 m=22 s=34
